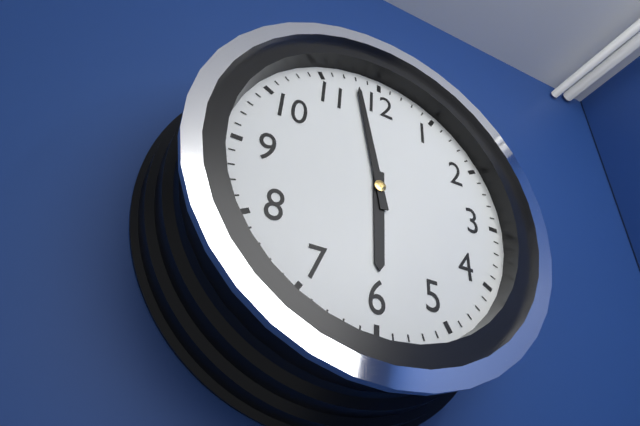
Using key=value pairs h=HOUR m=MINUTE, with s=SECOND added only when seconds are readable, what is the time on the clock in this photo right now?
h=5 m=58
